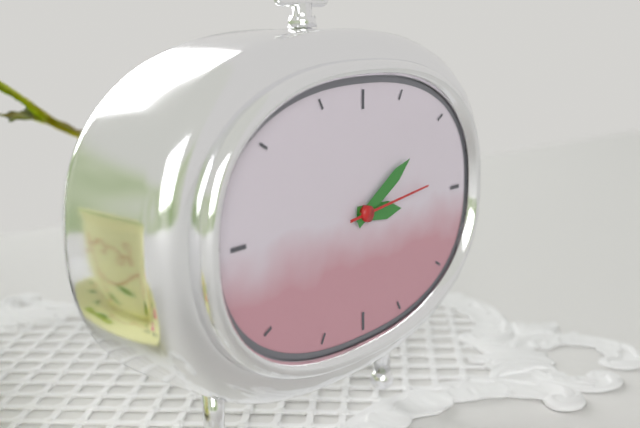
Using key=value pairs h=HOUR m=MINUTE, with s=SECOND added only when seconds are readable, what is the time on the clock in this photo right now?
h=3 m=10 s=14
